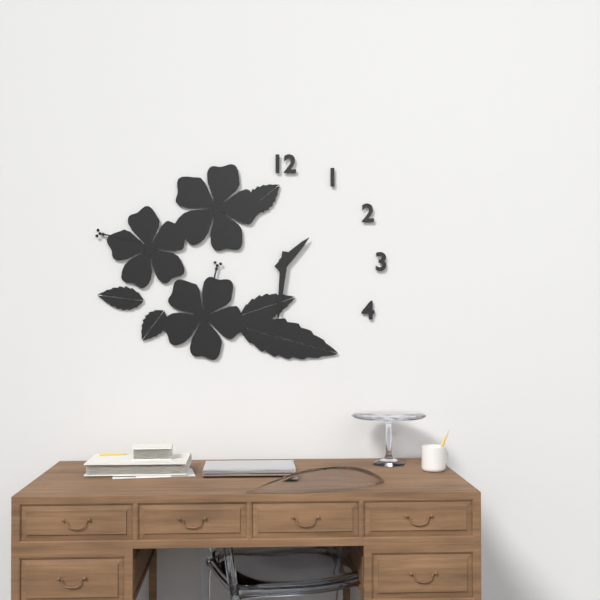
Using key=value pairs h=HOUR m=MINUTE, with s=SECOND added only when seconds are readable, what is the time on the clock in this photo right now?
h=1 m=31
